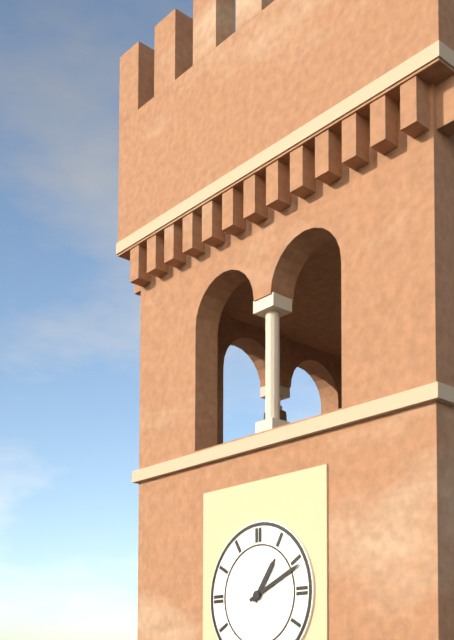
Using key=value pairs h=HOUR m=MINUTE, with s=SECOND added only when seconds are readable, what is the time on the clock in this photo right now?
h=1 m=11
